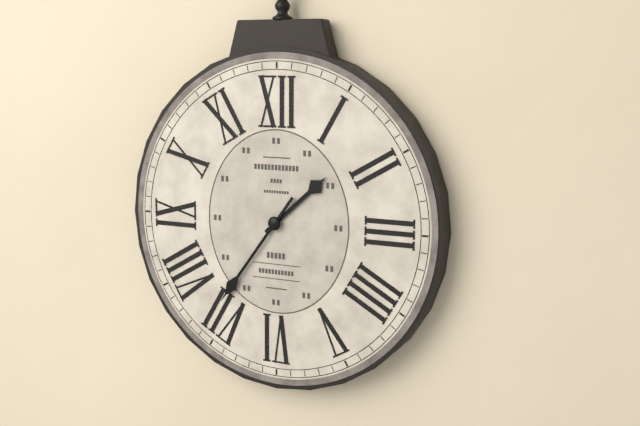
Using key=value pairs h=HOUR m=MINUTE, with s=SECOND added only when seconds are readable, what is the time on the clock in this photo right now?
h=1 m=36
